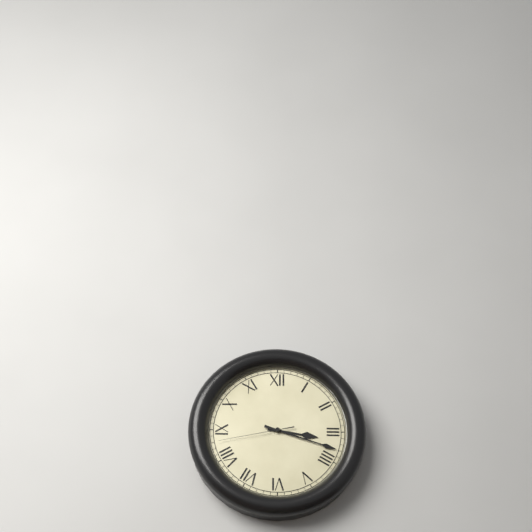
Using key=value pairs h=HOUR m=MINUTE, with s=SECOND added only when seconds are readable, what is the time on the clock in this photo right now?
h=3 m=18 s=43
